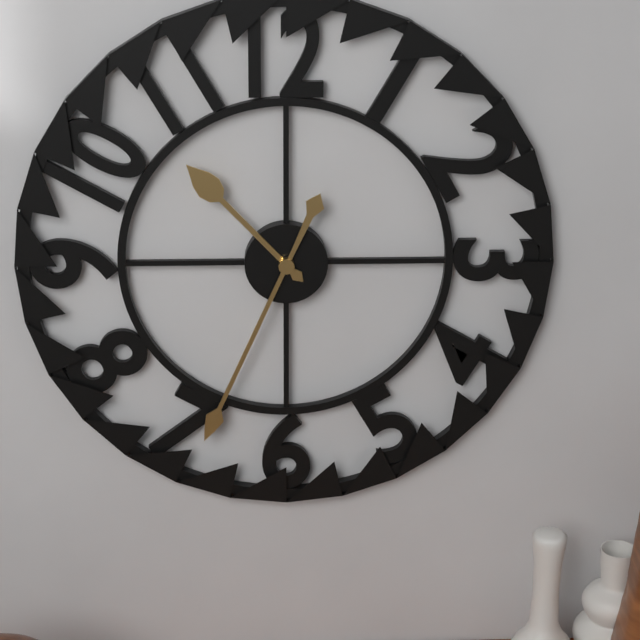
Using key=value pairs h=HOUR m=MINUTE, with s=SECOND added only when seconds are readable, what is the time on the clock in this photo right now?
h=10 m=34
